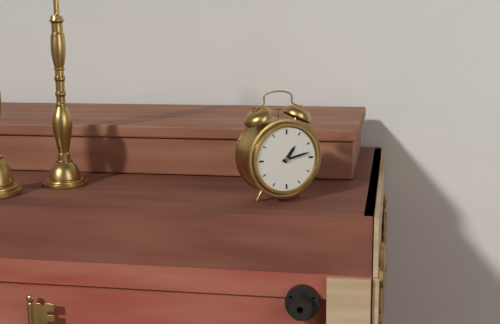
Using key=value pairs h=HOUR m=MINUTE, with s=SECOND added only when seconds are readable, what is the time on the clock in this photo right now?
h=1 m=13
